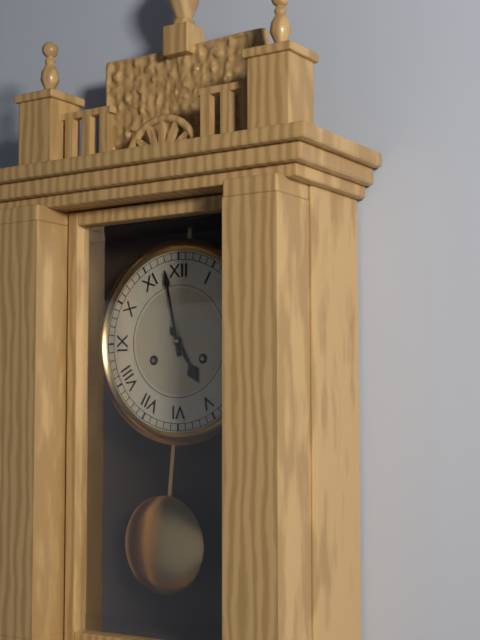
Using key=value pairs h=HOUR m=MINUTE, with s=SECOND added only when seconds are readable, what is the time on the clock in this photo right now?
h=4 m=58
